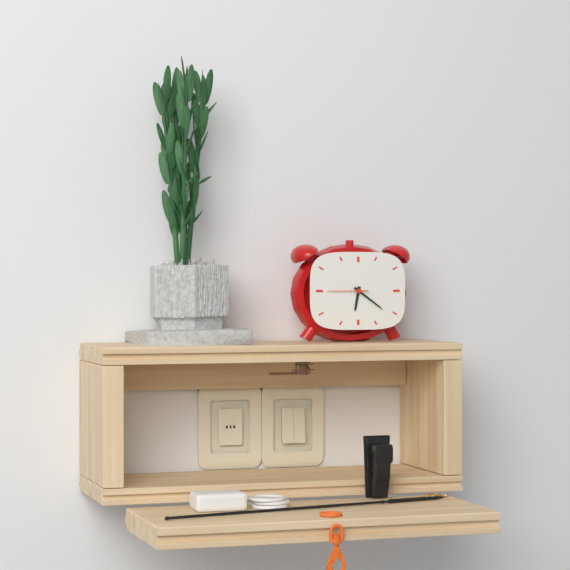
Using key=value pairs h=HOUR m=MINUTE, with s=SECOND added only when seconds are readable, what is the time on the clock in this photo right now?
h=6 m=21
